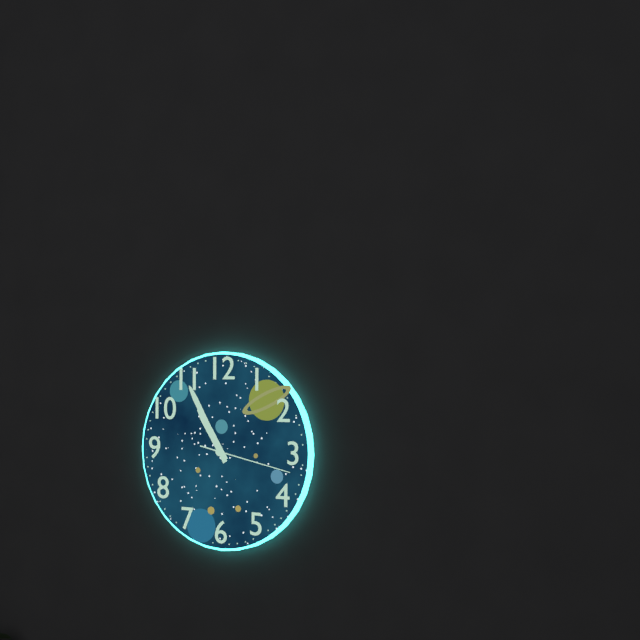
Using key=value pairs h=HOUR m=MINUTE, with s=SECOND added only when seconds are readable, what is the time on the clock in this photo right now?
h=10 m=55 s=17
